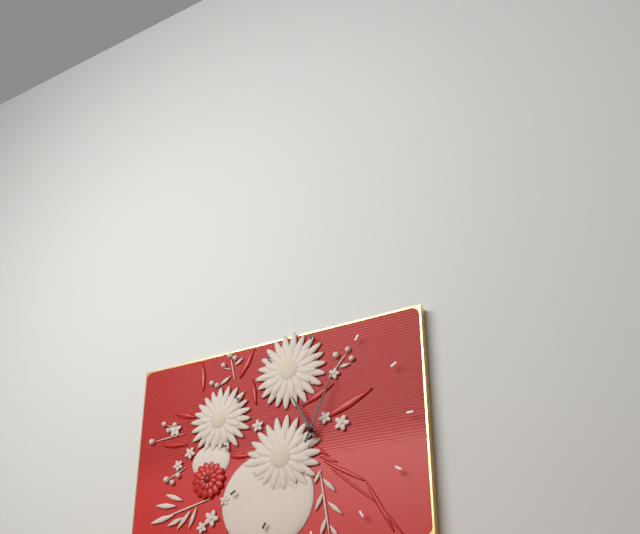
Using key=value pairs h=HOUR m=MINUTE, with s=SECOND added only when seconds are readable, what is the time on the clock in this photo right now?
h=11 m=4
